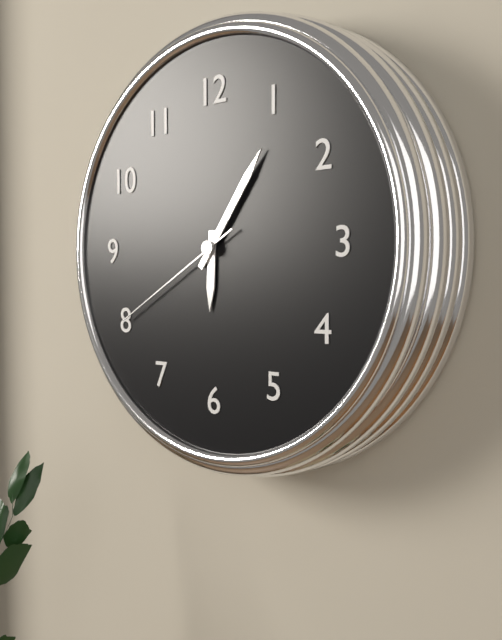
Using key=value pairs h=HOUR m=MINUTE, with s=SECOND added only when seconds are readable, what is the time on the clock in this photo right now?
h=6 m=6 s=40
